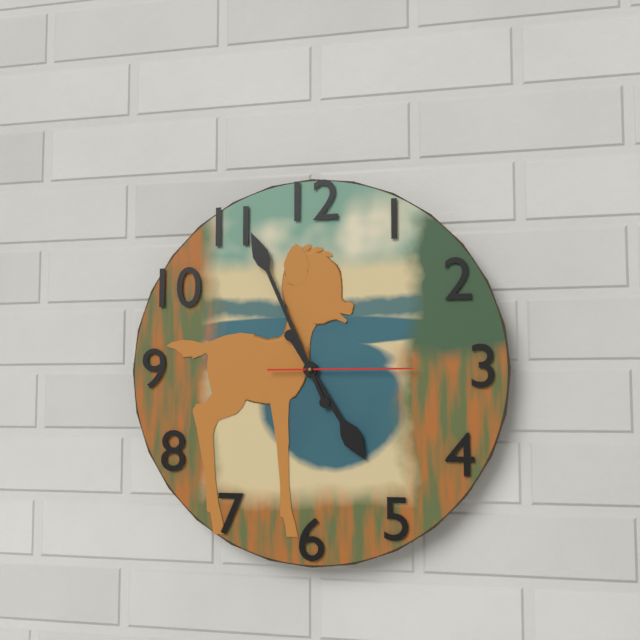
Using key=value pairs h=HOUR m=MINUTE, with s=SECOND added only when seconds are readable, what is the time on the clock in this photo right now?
h=4 m=56 s=15
